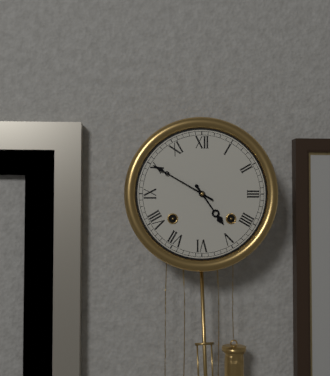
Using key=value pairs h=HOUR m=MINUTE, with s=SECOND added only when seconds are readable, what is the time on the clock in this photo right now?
h=4 m=50
